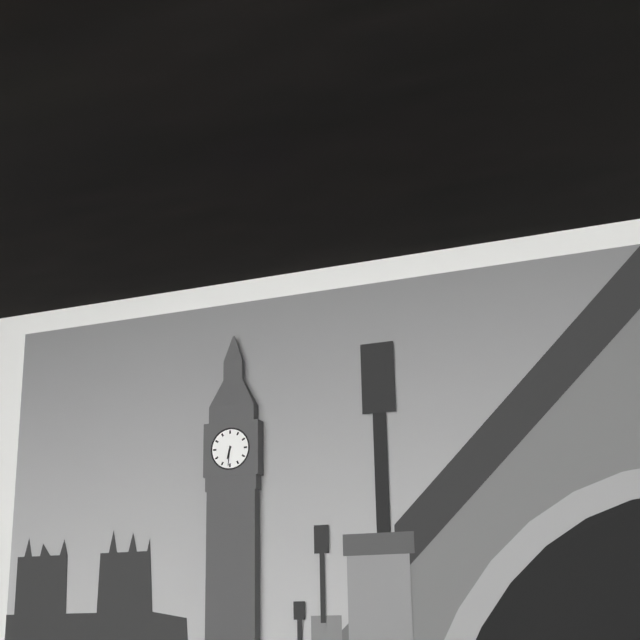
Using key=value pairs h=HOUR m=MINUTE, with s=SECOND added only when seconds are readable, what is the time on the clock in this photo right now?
h=6 m=31
